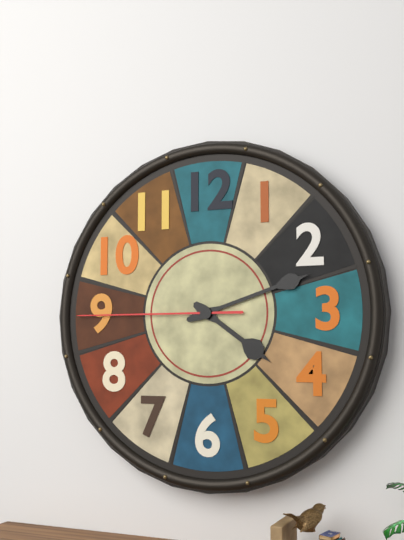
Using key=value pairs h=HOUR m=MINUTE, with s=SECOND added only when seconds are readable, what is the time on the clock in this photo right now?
h=4 m=12 s=45
